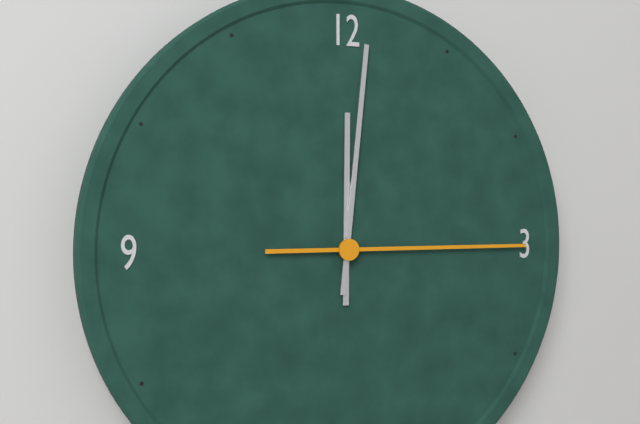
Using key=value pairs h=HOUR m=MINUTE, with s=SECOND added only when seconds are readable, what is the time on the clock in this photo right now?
h=12 m=1 s=15
